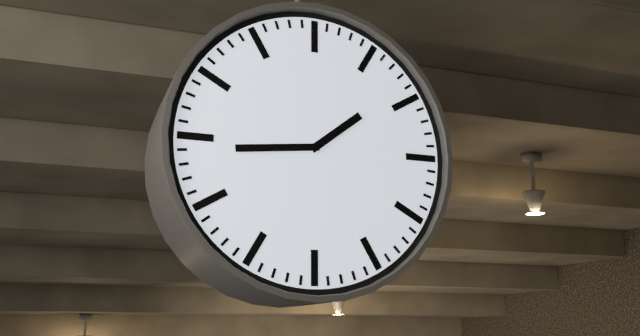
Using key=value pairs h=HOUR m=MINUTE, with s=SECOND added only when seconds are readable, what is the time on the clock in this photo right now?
h=1 m=44
